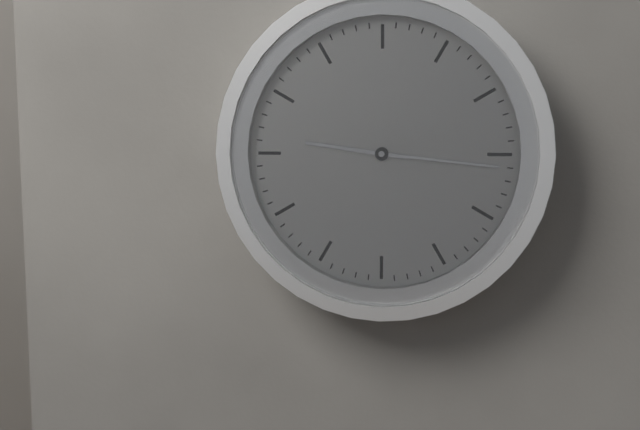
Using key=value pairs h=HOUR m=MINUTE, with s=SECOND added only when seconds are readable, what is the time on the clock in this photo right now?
h=9 m=16
